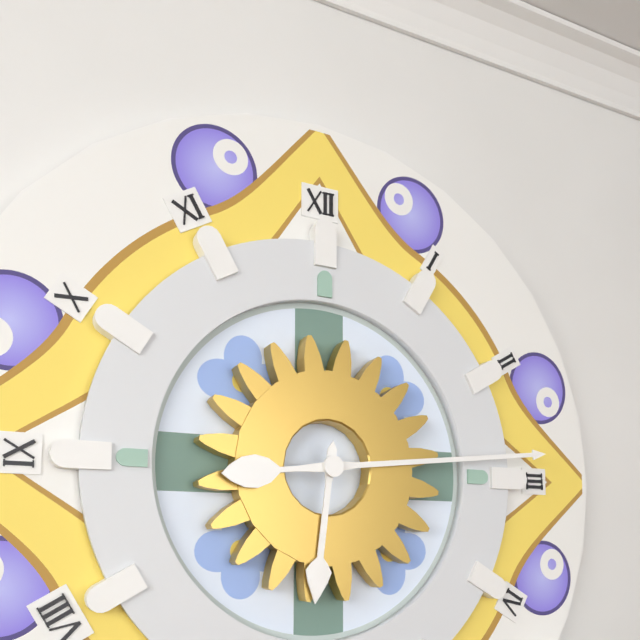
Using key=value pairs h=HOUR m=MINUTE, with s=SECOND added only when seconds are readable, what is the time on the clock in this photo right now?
h=6 m=14
